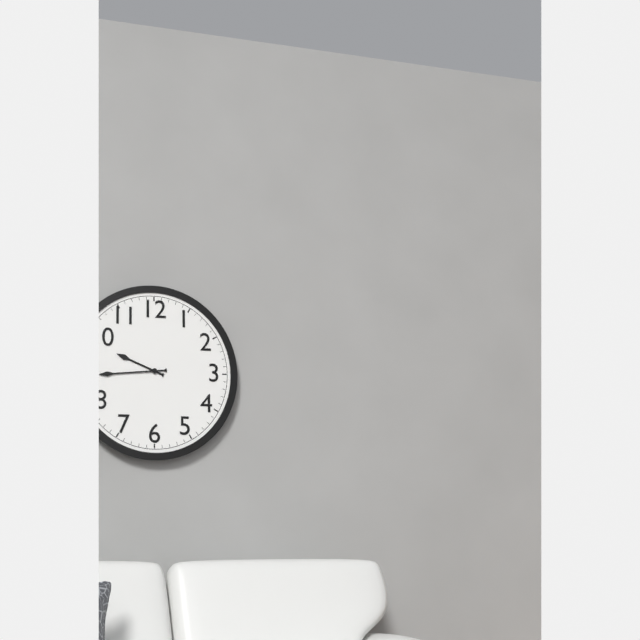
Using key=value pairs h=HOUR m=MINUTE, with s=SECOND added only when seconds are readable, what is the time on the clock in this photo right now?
h=9 m=44
